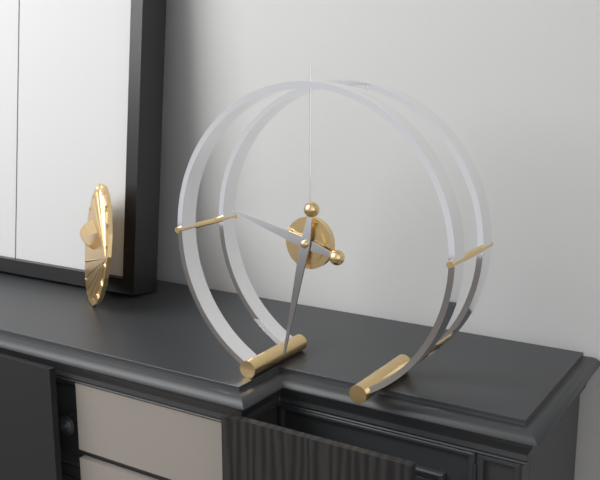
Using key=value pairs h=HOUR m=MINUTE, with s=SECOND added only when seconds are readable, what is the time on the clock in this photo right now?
h=9 m=32
